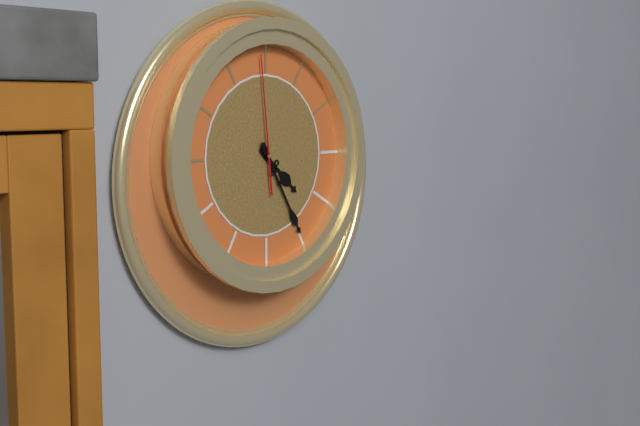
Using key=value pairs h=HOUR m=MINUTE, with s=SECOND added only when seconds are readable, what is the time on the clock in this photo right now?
h=4 m=25 s=59
